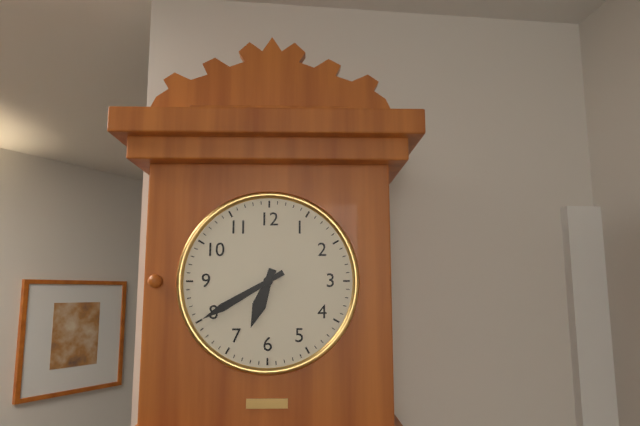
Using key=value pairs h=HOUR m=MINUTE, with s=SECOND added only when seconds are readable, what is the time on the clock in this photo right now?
h=6 m=40
